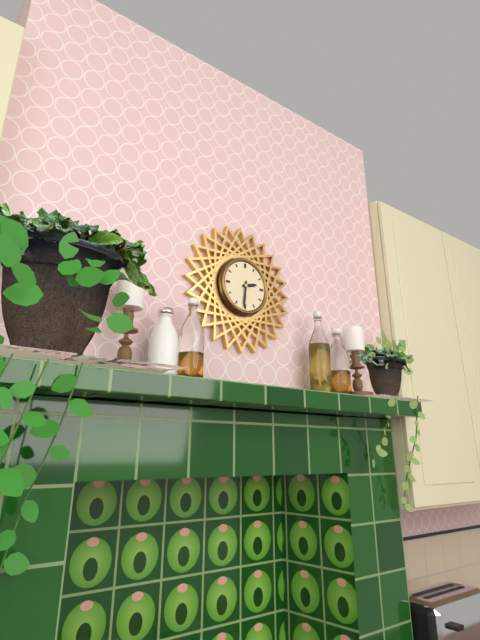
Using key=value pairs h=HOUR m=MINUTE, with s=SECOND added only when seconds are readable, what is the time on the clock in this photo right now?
h=2 m=31
